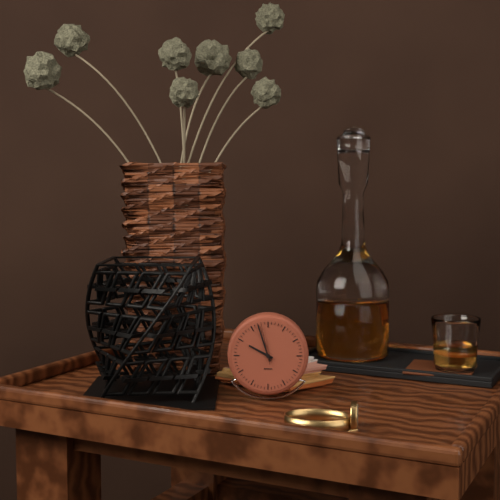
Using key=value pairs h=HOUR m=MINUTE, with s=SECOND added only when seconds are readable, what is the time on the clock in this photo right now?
h=9 m=57
